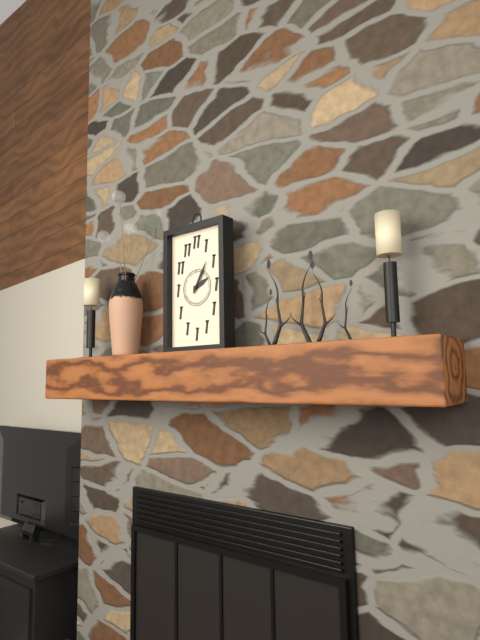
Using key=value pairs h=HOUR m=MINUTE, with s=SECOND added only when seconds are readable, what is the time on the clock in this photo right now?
h=2 m=5
